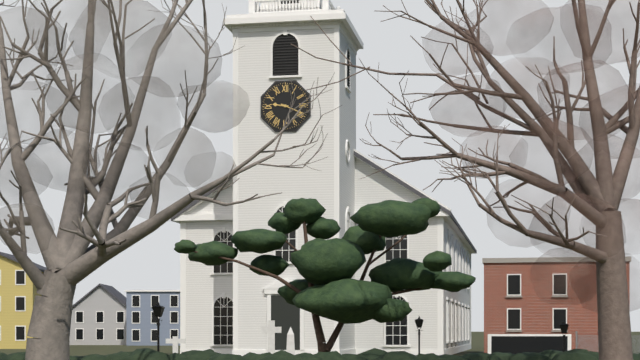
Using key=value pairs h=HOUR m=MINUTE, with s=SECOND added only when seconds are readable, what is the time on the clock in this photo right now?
h=9 m=19
